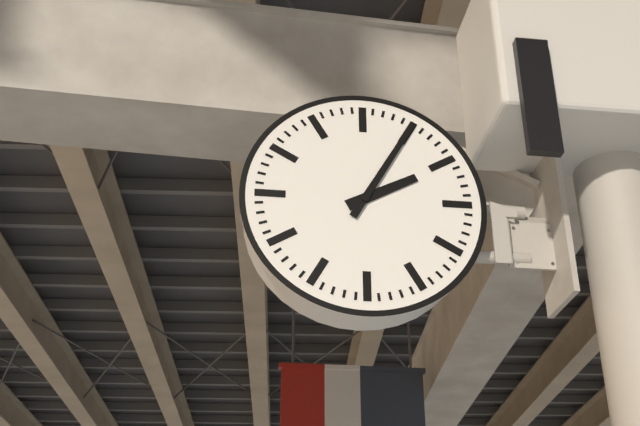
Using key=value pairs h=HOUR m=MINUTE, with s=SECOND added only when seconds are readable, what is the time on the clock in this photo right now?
h=2 m=5
